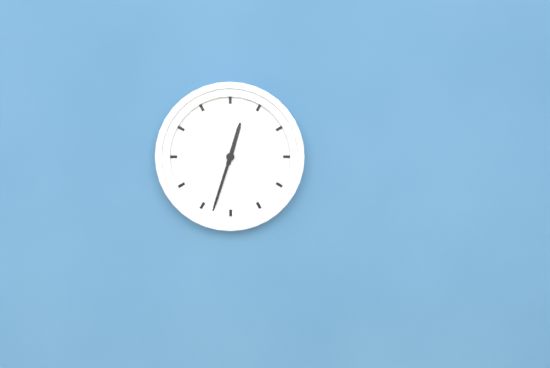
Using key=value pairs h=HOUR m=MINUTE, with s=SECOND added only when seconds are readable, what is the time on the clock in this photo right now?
h=12 m=33
